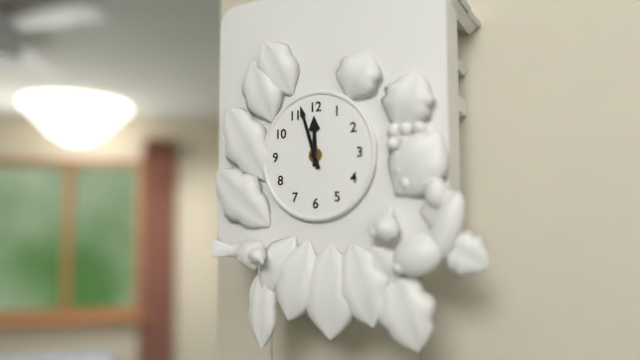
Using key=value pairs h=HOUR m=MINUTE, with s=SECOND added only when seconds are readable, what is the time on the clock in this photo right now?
h=11 m=57
